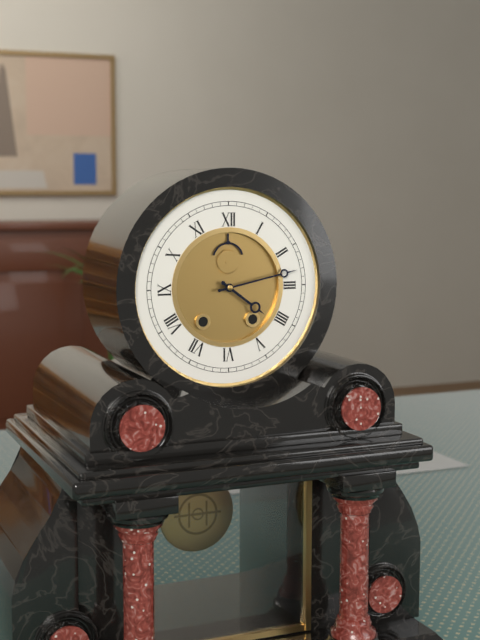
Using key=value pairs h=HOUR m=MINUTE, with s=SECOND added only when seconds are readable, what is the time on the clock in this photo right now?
h=4 m=13
